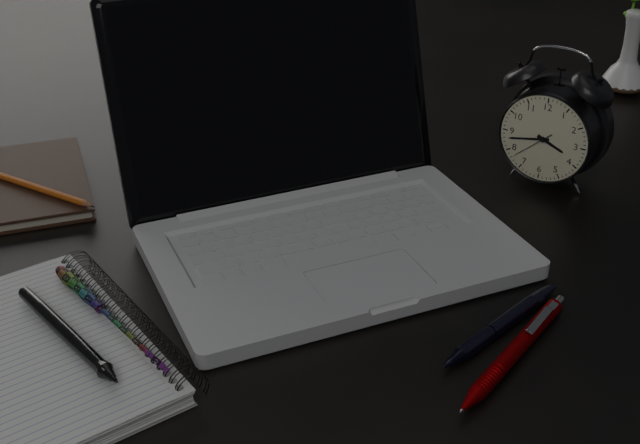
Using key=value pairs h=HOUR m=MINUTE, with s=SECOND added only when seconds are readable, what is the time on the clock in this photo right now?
h=3 m=43 s=38
